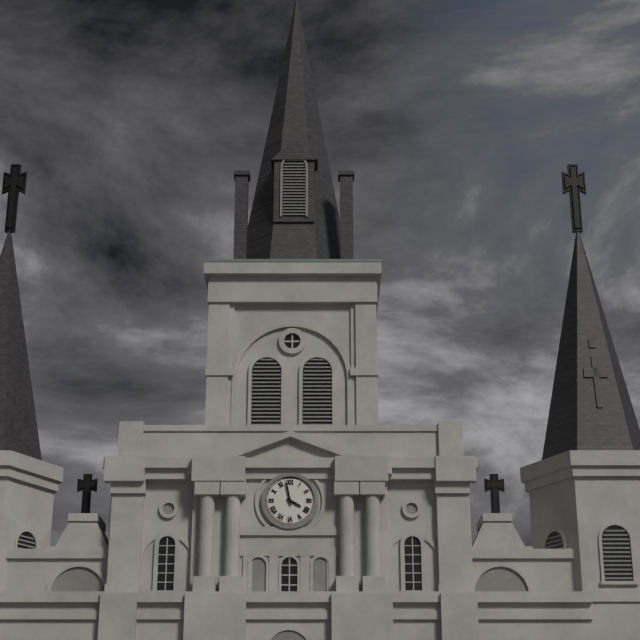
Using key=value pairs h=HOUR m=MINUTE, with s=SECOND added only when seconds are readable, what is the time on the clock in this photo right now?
h=3 m=58
